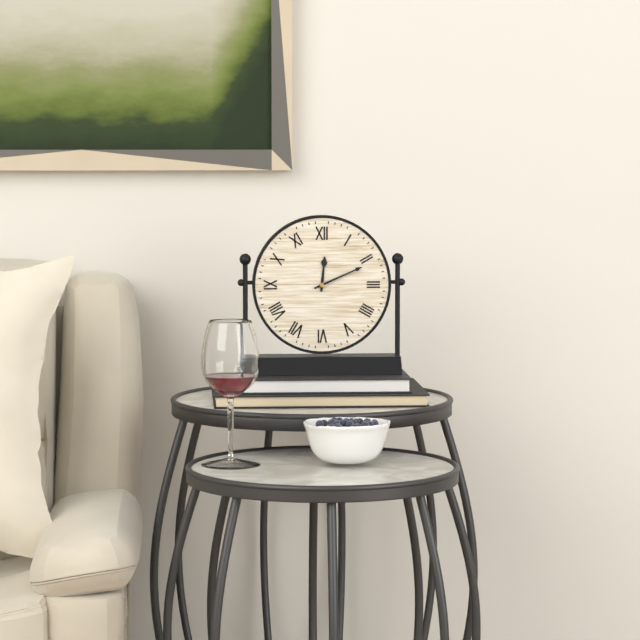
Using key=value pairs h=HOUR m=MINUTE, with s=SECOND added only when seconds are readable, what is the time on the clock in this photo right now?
h=12 m=11
